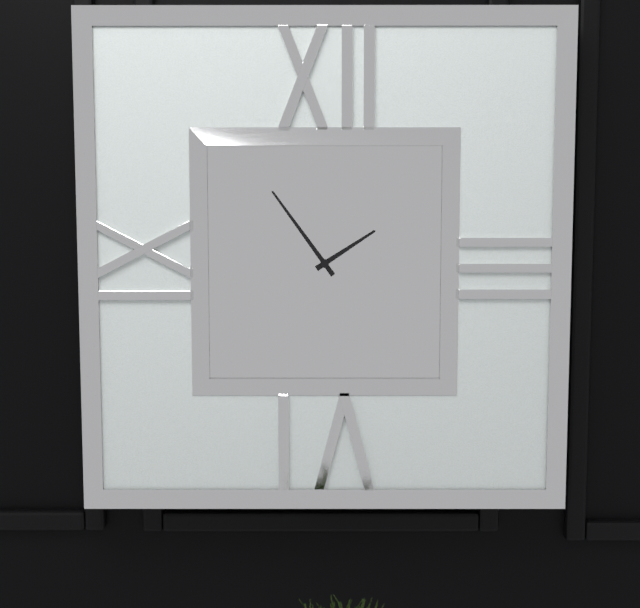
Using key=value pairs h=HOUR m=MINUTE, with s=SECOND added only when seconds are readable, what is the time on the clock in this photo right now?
h=1 m=54
